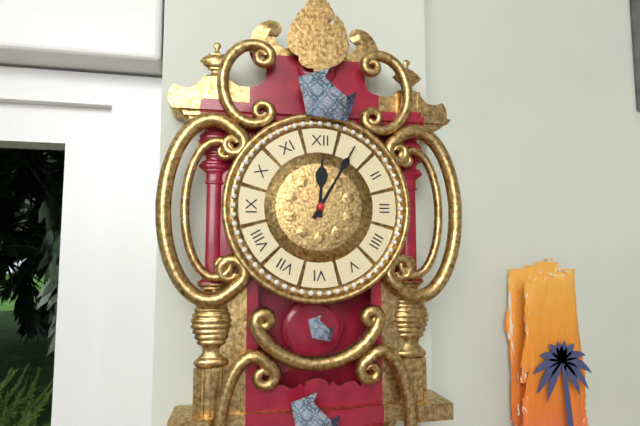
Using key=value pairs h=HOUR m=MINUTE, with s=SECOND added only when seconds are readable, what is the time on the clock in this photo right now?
h=12 m=5
